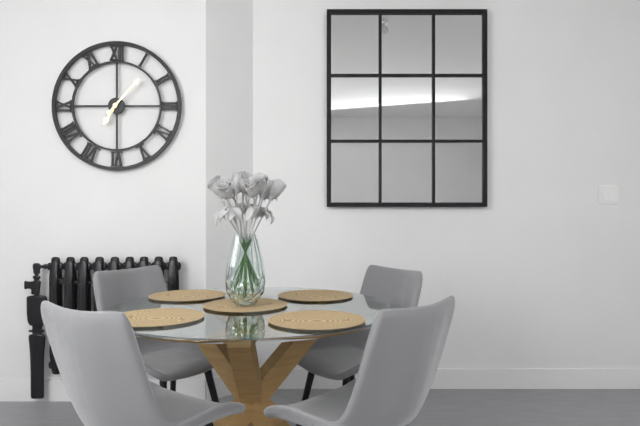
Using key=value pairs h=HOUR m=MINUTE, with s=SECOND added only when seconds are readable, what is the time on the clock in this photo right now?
h=7 m=7
